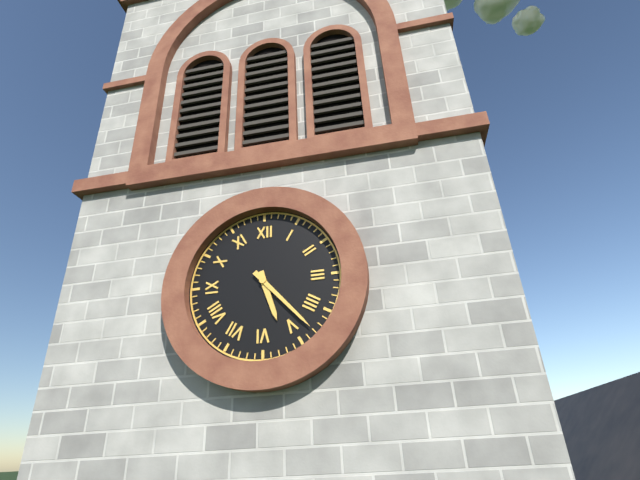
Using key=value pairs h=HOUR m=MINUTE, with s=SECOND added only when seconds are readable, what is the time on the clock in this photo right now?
h=5 m=23
